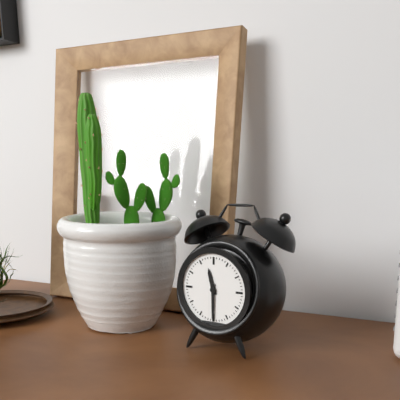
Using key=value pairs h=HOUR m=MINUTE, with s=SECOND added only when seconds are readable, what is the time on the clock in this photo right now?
h=11 m=30
